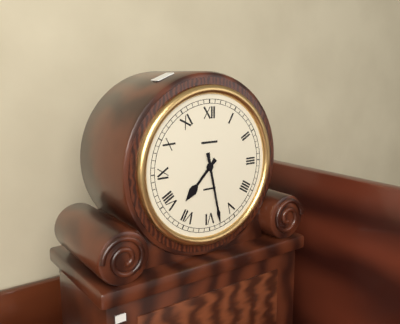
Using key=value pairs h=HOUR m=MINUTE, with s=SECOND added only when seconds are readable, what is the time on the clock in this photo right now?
h=7 m=28
